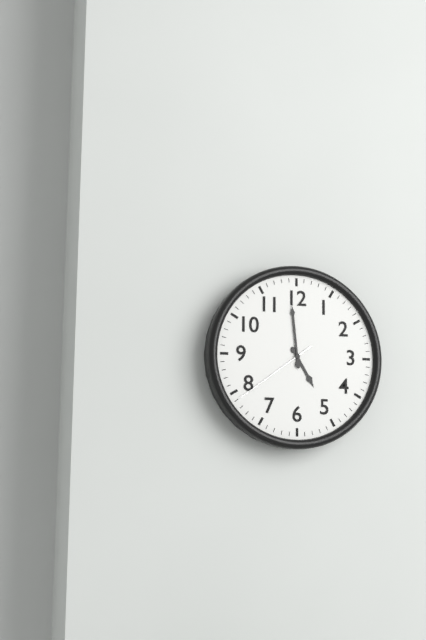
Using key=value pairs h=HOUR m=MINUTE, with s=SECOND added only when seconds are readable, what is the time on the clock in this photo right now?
h=4 m=59 s=39
